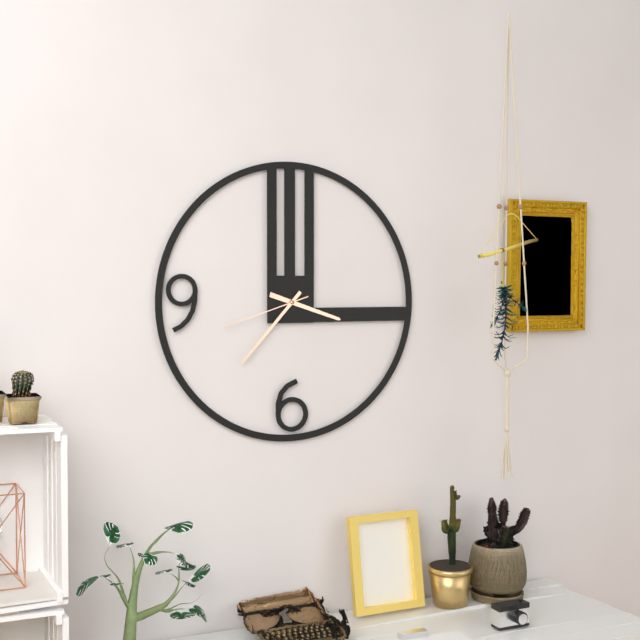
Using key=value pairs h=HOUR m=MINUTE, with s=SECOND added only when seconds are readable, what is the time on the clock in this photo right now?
h=3 m=37 s=42
